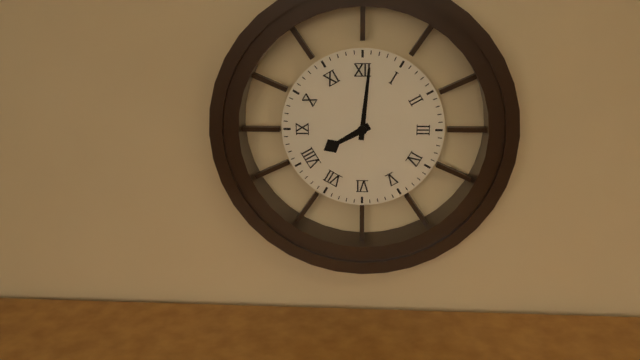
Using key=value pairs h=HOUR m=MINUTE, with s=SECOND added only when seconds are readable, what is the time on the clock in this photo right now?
h=8 m=1
